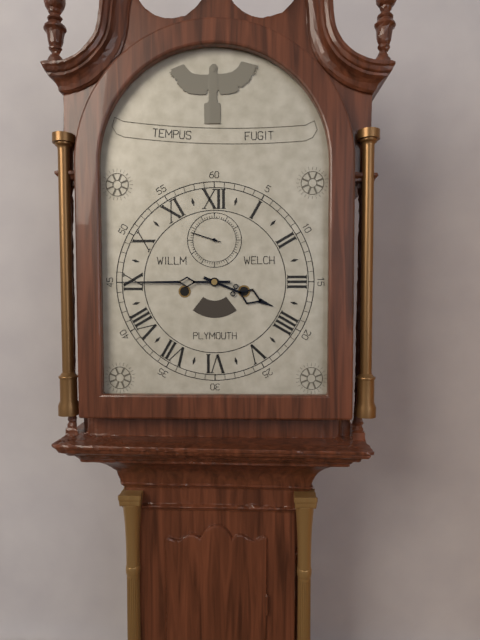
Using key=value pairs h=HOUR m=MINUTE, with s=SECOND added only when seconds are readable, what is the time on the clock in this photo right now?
h=3 m=45
